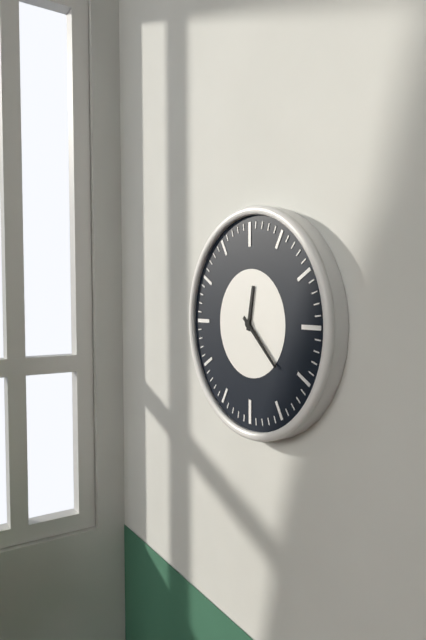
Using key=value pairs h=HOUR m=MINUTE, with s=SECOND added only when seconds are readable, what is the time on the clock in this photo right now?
h=12 m=22
